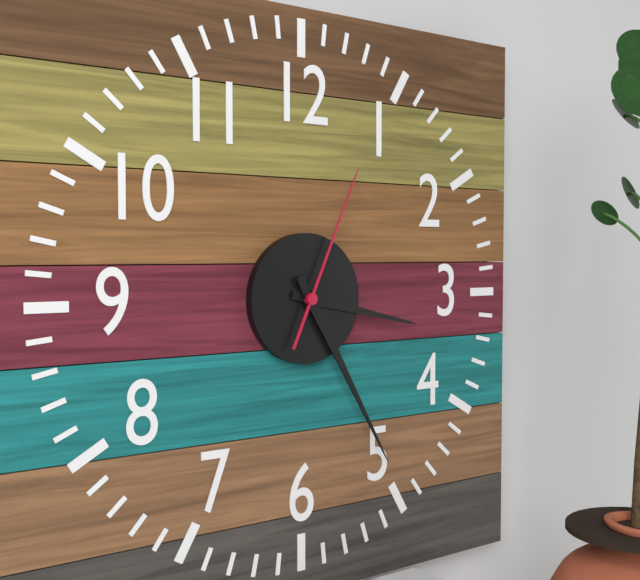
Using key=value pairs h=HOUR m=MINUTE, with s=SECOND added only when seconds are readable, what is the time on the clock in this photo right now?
h=3 m=25 s=4
